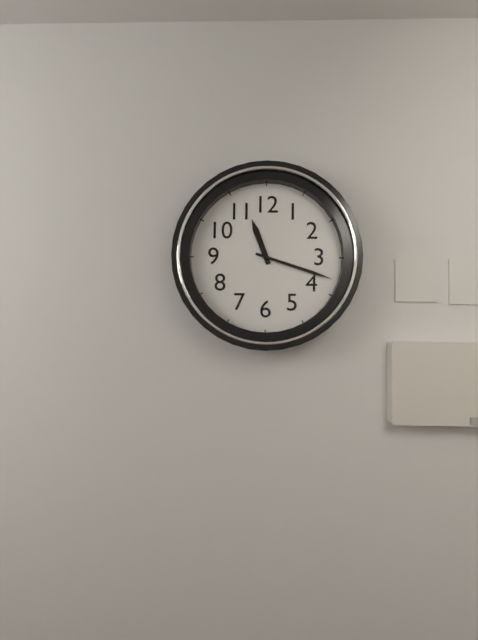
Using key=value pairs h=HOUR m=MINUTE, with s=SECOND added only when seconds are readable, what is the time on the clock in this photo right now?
h=11 m=18
